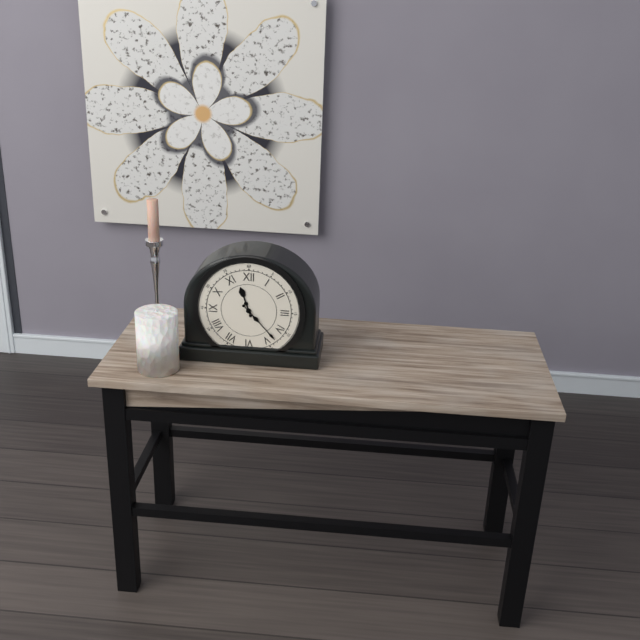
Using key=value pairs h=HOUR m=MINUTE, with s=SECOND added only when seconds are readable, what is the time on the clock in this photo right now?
h=11 m=23
